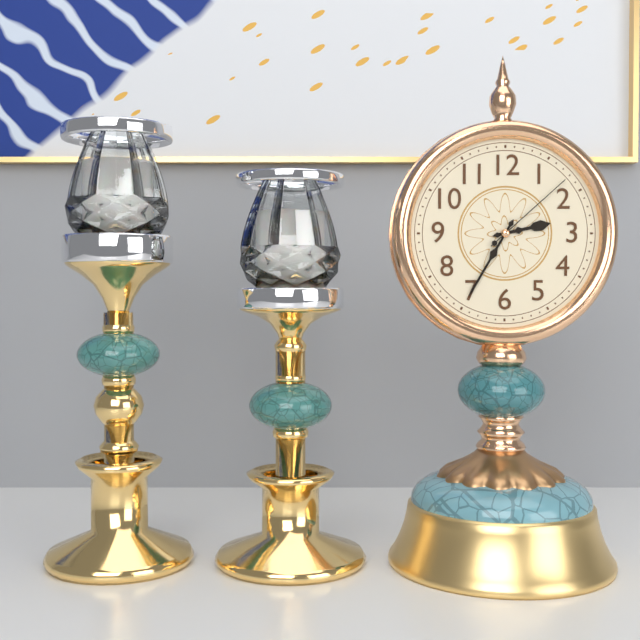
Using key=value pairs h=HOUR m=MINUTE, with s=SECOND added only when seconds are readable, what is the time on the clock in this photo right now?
h=2 m=35 s=8
